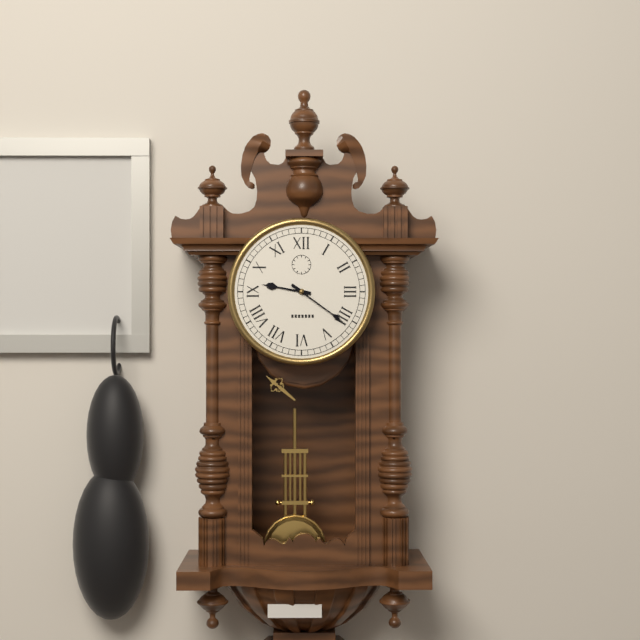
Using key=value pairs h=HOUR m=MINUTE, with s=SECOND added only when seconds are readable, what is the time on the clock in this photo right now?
h=9 m=21
